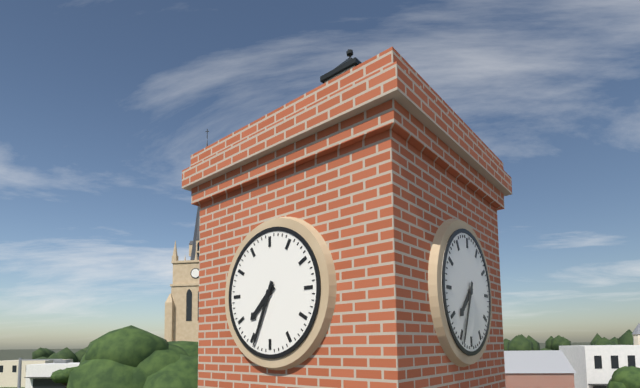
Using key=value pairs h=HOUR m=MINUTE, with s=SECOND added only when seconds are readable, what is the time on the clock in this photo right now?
h=7 m=34
